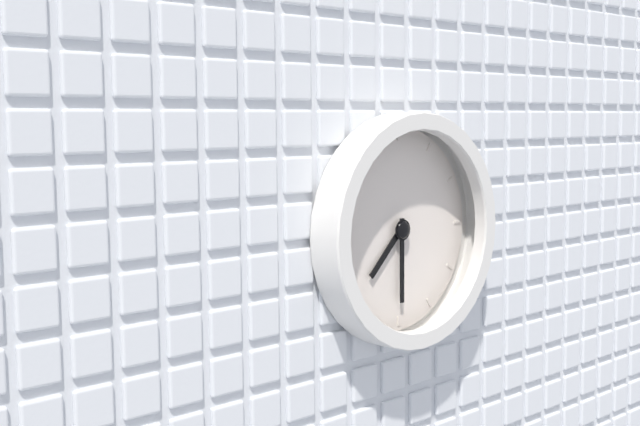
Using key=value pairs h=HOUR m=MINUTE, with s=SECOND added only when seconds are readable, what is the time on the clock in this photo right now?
h=7 m=30
